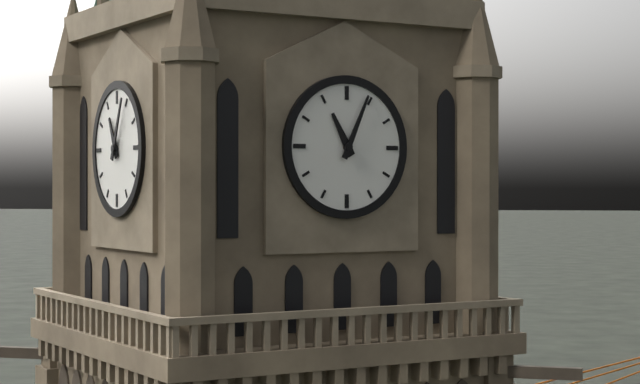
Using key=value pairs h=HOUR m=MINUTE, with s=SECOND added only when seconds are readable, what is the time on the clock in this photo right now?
h=11 m=4
